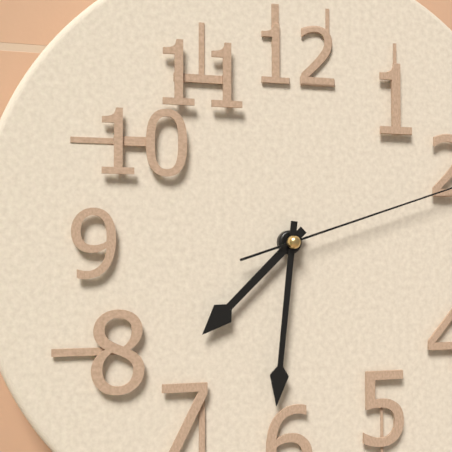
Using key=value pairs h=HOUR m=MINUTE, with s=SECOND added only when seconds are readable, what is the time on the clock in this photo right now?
h=7 m=31
